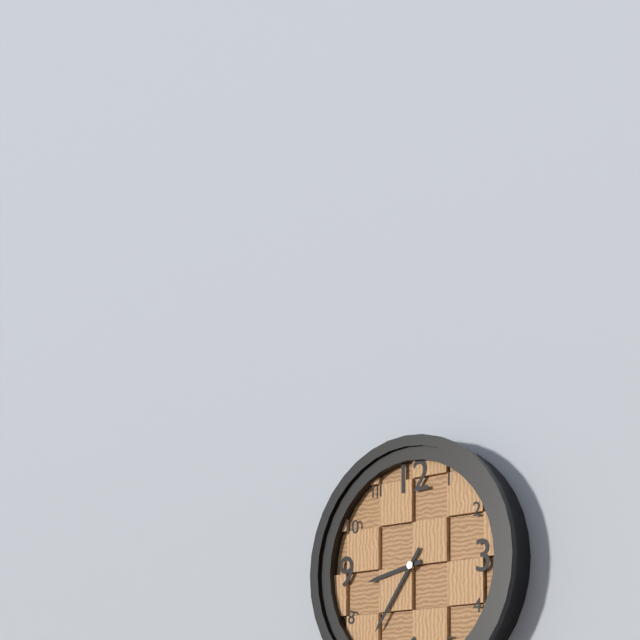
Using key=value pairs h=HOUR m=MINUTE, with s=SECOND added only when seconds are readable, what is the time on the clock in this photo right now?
h=8 m=36
